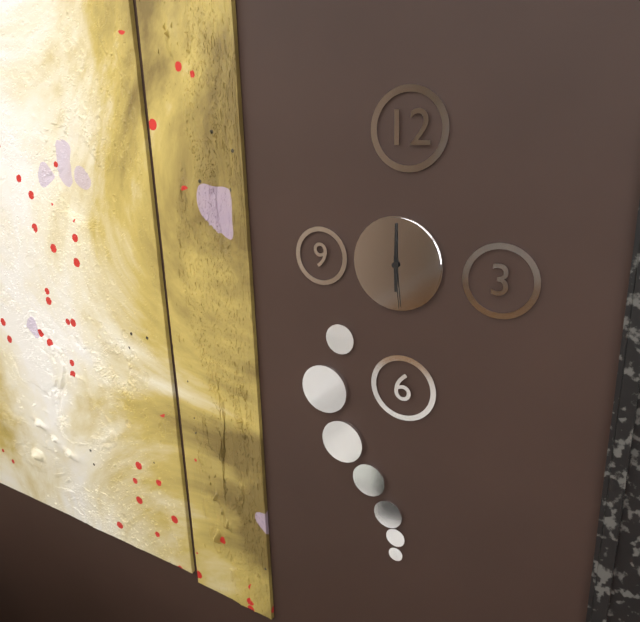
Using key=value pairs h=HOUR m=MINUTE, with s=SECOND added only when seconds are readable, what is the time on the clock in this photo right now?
h=6 m=0 s=29
